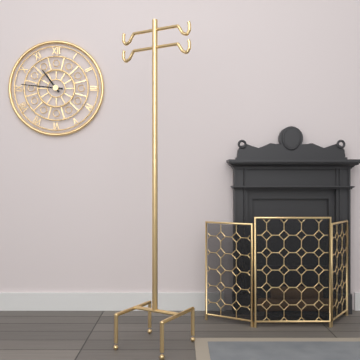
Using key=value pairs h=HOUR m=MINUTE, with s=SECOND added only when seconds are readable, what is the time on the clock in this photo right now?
h=10 m=46
